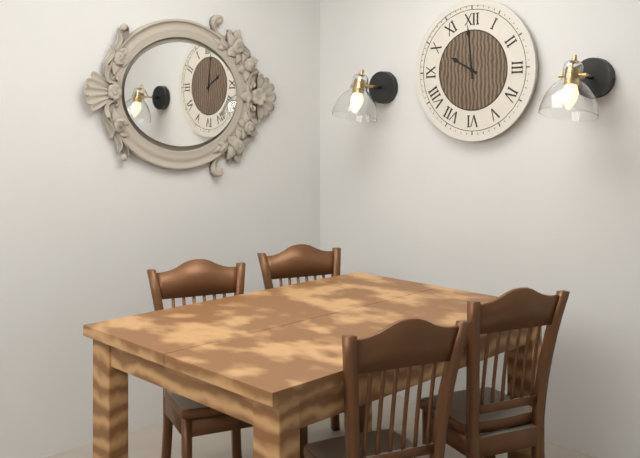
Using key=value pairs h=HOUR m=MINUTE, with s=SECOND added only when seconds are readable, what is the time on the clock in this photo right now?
h=9 m=59
